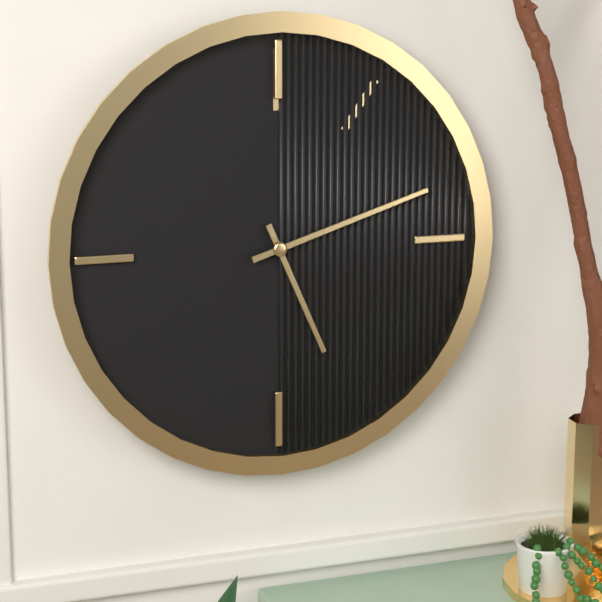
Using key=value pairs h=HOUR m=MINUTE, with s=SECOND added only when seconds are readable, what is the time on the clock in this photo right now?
h=5 m=12
